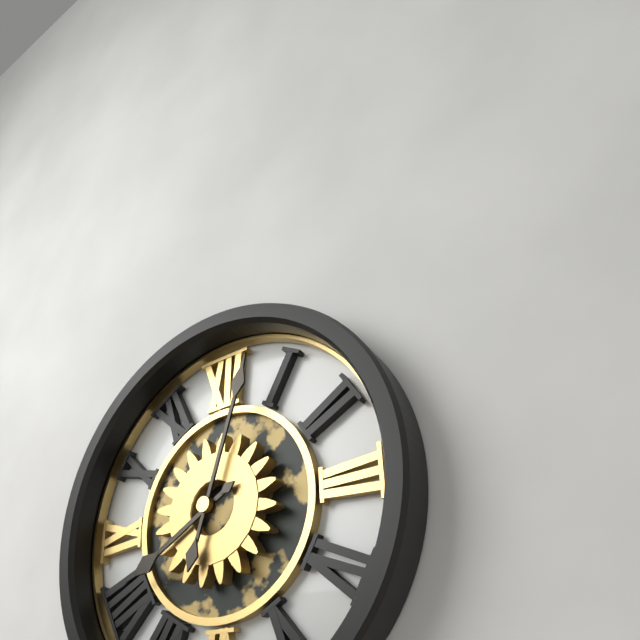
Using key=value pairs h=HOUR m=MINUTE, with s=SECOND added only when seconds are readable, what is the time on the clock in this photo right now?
h=8 m=3
